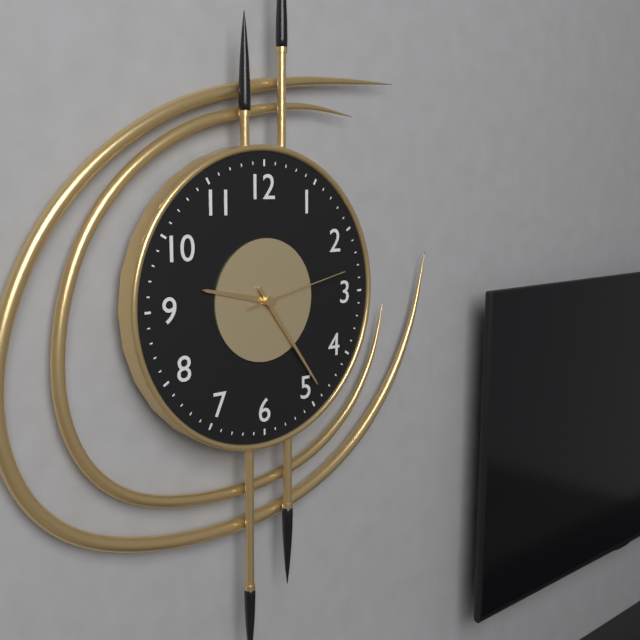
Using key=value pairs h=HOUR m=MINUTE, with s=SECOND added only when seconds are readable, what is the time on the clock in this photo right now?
h=9 m=24 s=13
